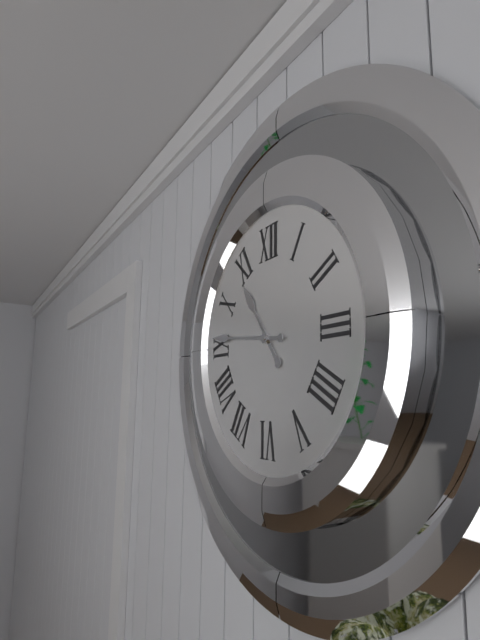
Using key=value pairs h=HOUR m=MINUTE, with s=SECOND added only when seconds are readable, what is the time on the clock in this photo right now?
h=10 m=46
